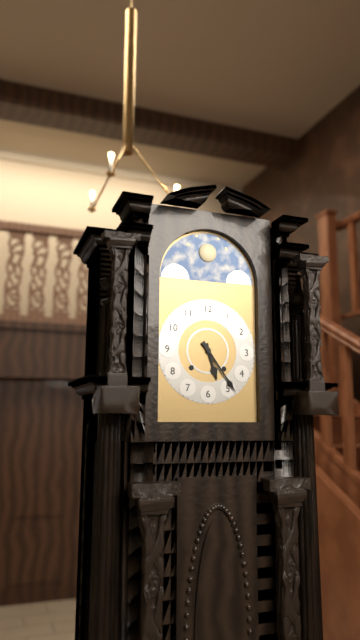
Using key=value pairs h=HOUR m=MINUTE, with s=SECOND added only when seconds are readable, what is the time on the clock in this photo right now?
h=5 m=24
